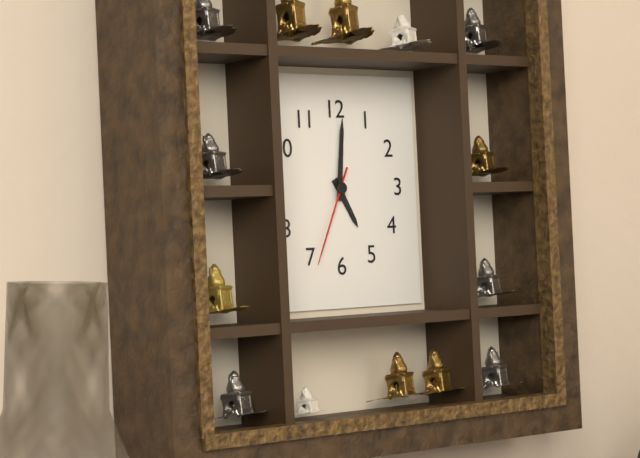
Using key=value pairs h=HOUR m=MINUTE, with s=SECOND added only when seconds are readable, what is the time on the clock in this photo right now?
h=5 m=1 s=34
